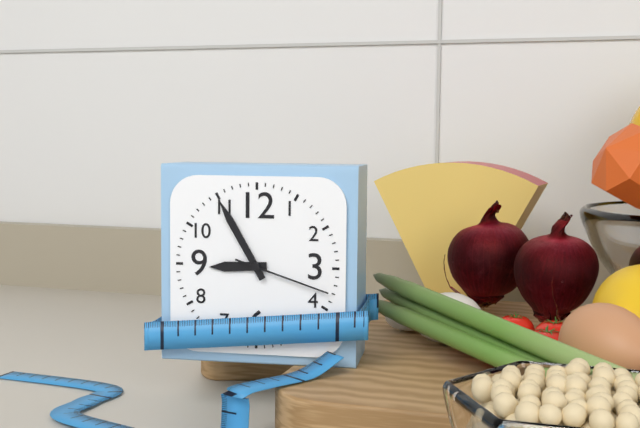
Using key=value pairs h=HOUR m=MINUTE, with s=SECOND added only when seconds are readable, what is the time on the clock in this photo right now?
h=8 m=55 s=18
